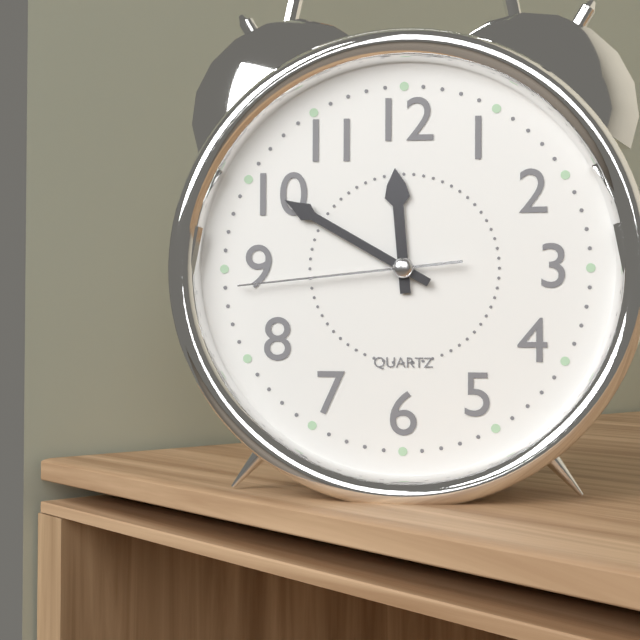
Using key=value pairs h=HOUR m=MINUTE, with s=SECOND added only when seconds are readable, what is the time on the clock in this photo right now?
h=11 m=50 s=44
